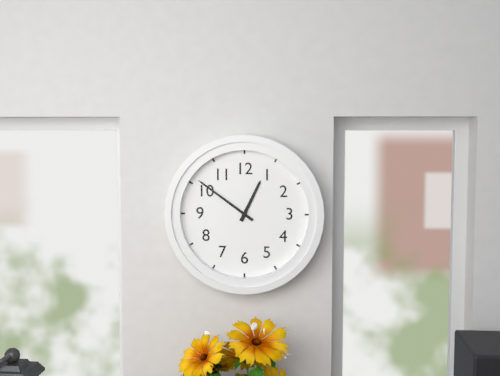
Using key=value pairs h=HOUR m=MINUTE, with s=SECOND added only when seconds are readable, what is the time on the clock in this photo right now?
h=12 m=51
